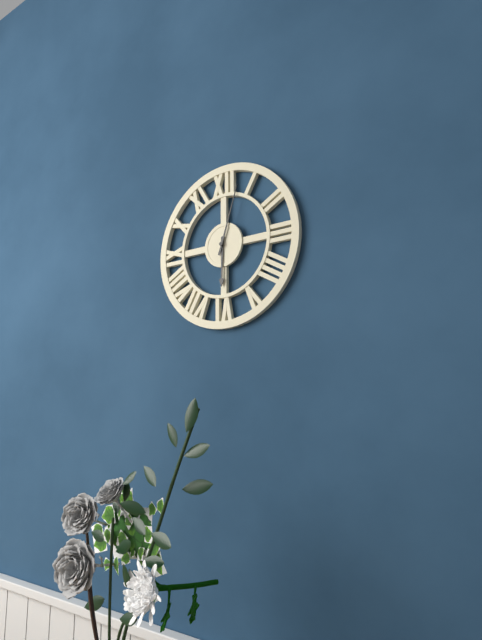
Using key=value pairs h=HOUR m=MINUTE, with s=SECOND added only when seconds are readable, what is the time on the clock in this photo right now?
h=6 m=3
